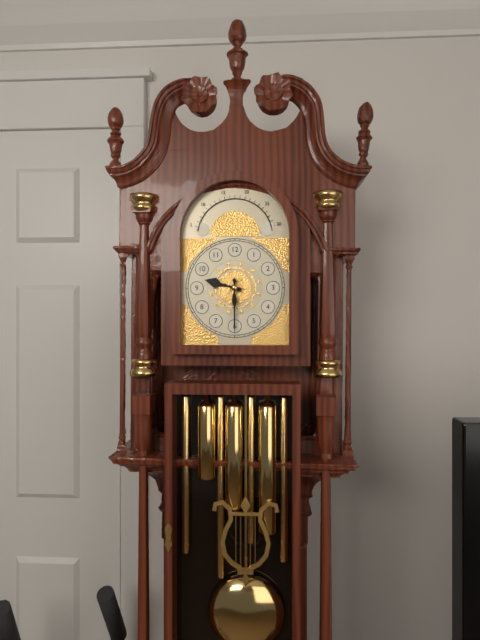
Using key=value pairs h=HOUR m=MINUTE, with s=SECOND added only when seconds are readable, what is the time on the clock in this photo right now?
h=9 m=30
